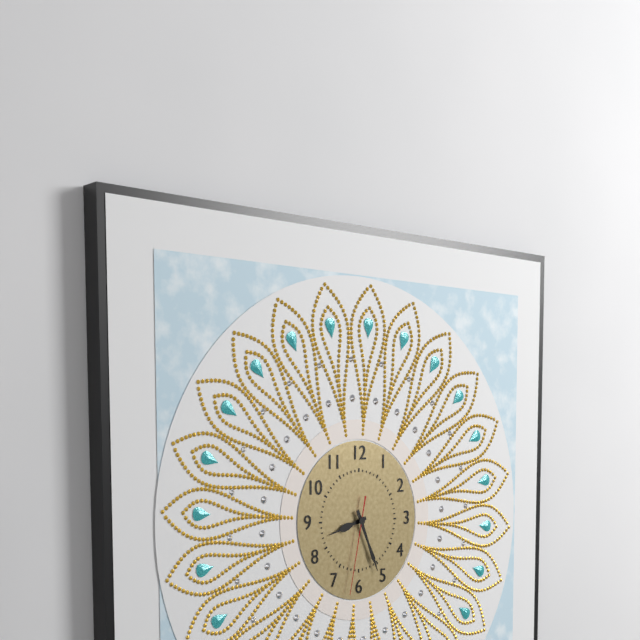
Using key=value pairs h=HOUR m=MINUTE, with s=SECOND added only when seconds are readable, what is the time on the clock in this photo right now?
h=8 m=26 s=32
